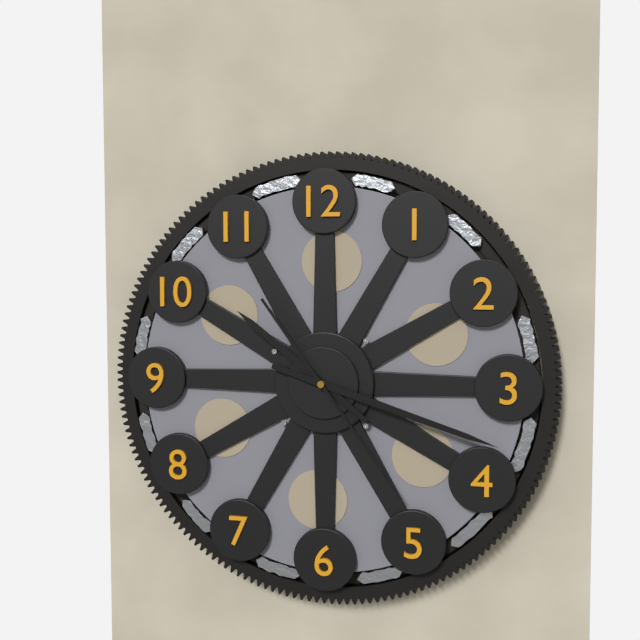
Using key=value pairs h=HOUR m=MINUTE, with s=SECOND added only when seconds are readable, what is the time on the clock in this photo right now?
h=10 m=18 s=24
